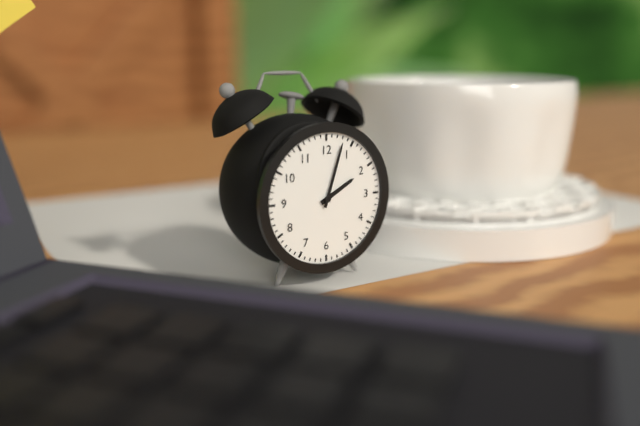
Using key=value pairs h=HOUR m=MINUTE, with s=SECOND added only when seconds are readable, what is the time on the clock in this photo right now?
h=2 m=3
